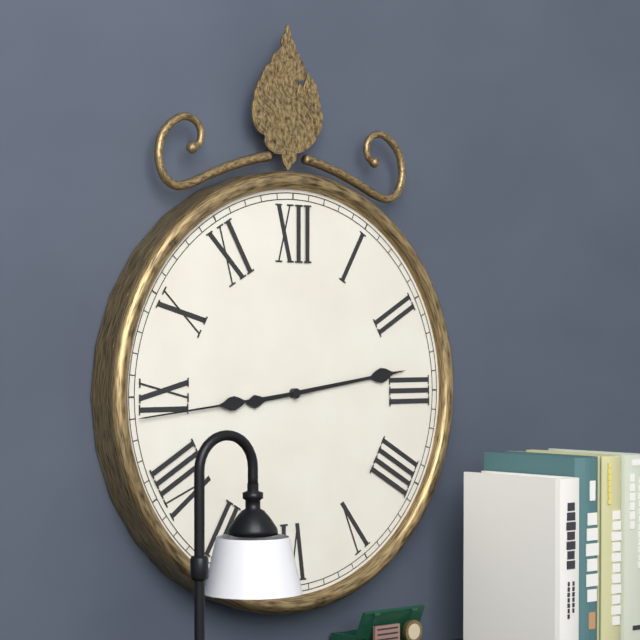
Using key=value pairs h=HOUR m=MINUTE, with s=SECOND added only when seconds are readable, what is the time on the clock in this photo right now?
h=2 m=44
